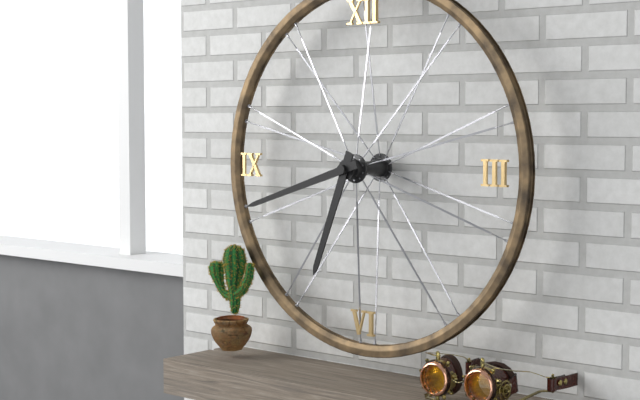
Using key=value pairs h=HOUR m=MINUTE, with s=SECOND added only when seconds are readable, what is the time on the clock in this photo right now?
h=6 m=42
